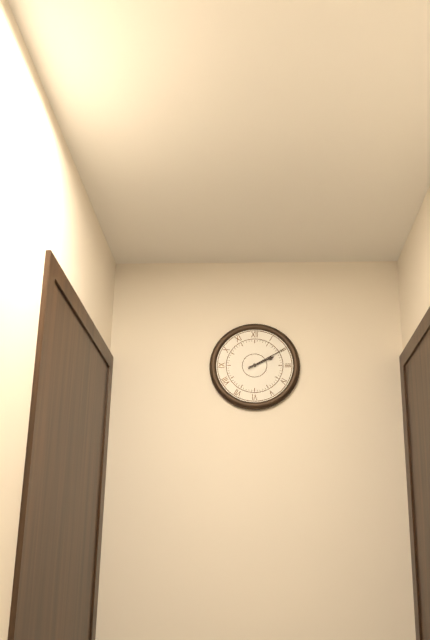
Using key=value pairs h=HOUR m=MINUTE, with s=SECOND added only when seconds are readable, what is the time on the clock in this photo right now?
h=2 m=10
